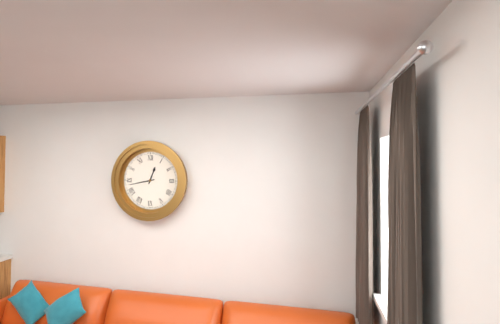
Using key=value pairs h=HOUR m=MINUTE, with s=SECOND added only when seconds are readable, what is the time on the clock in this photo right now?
h=12 m=43
